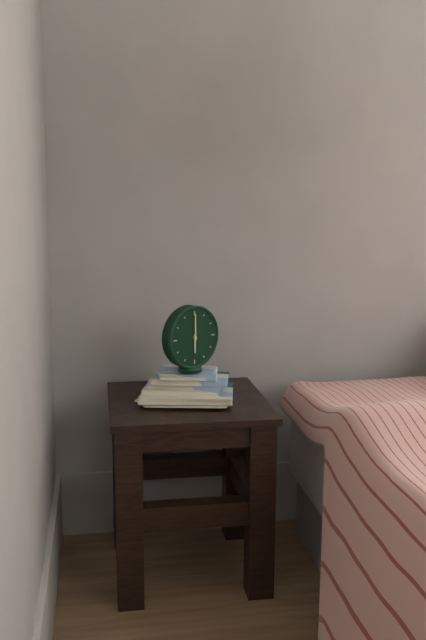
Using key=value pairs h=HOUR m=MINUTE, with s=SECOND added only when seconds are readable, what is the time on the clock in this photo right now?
h=6 m=0
